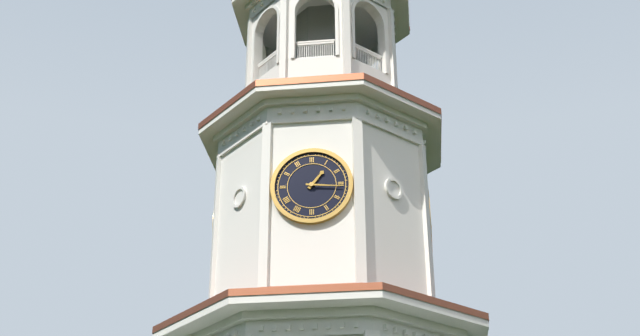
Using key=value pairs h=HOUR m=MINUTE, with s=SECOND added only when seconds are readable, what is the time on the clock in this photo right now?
h=1 m=16
